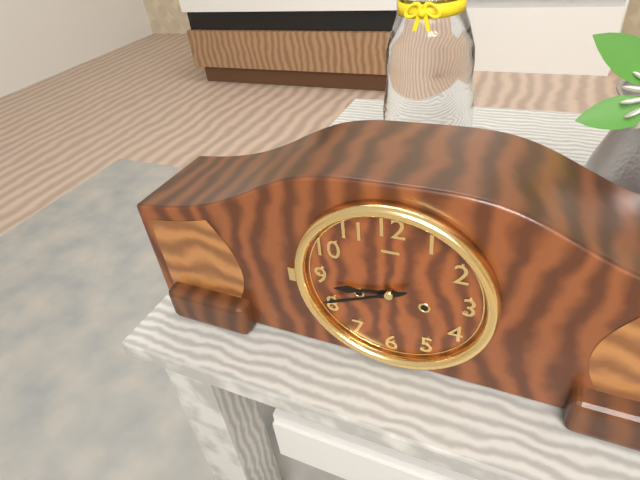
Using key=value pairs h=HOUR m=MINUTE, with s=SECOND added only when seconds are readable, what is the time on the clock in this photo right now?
h=8 m=41
